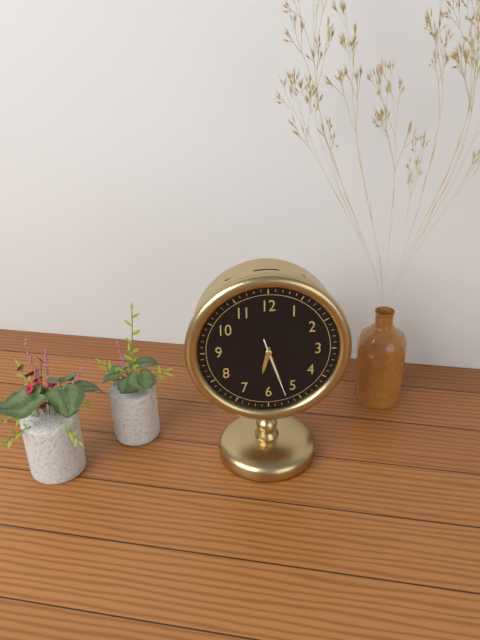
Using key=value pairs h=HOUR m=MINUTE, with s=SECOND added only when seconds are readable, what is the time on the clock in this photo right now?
h=6 m=27 s=27
